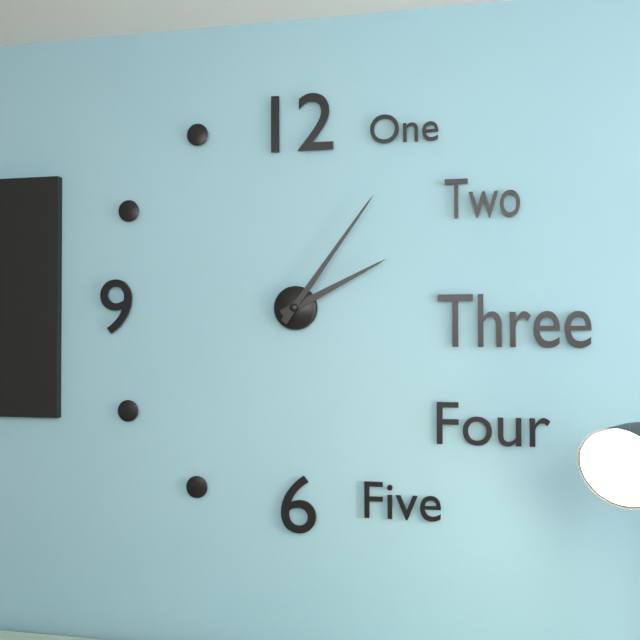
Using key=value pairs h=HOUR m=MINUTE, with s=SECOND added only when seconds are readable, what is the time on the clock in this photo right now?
h=2 m=6
